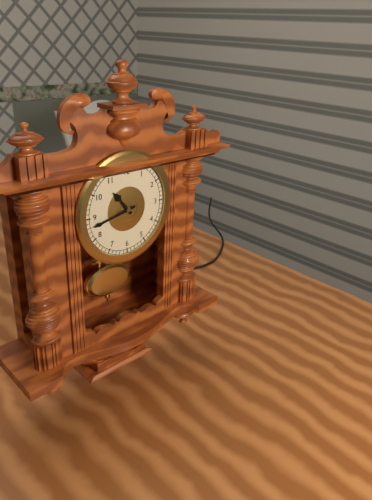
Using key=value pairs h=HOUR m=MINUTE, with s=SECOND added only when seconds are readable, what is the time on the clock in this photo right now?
h=10 m=43
